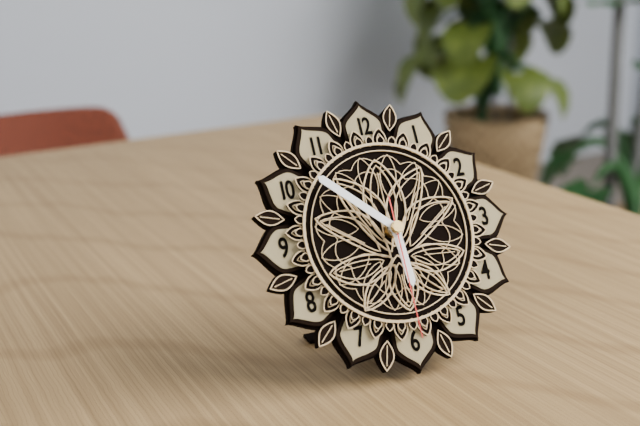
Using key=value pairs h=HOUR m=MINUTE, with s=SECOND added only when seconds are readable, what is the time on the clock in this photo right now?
h=5 m=52 s=30
